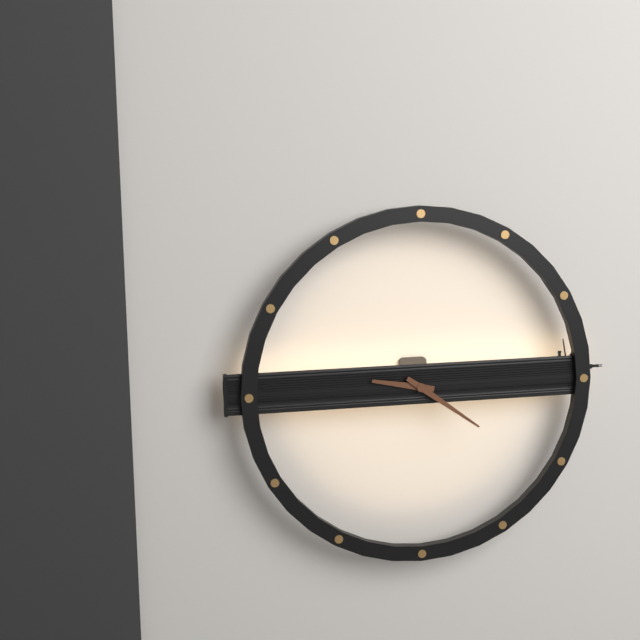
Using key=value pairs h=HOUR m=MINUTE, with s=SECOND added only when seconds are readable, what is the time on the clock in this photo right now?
h=9 m=21
